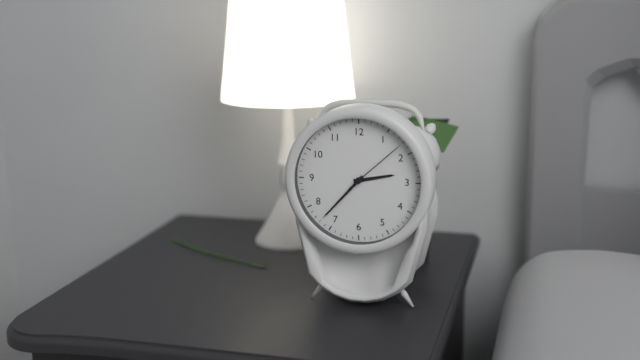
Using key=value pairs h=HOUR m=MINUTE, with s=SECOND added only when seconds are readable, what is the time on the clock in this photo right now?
h=2 m=37 s=8
